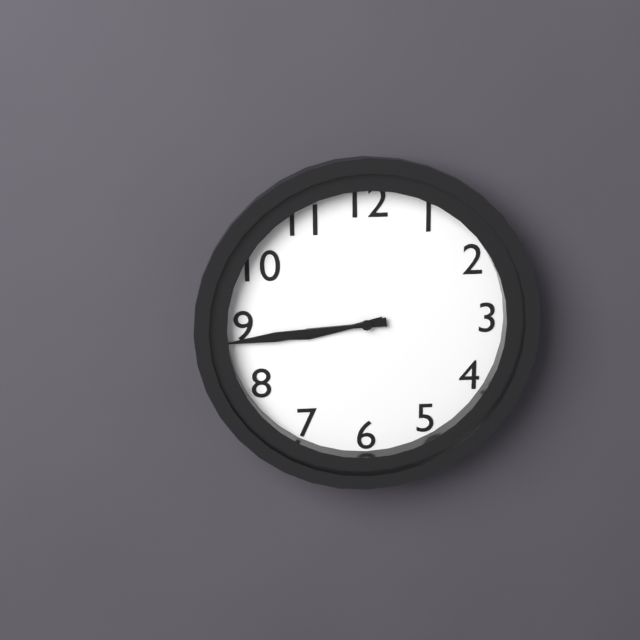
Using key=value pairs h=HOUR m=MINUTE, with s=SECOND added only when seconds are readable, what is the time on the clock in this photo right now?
h=8 m=44
